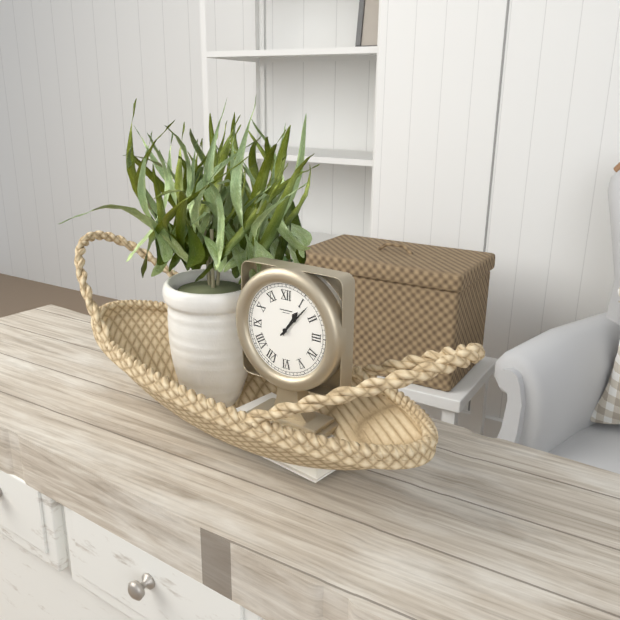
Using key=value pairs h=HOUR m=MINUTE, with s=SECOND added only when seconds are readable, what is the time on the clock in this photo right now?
h=1 m=7
